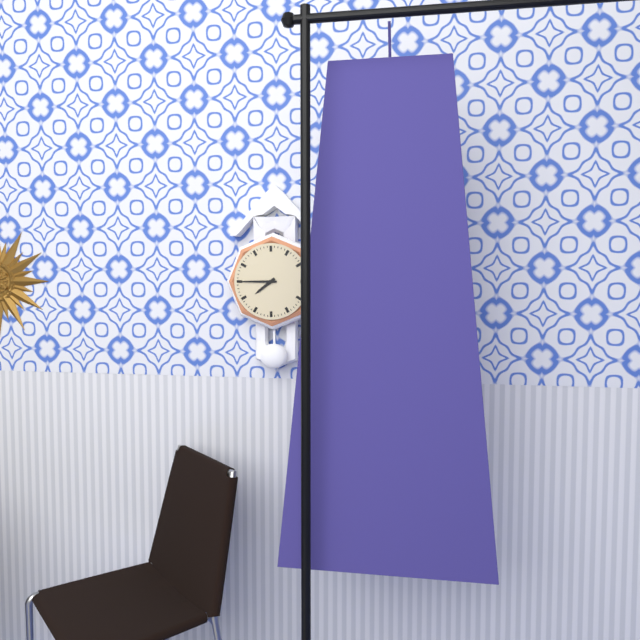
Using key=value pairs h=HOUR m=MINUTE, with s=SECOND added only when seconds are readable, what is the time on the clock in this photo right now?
h=7 m=45
